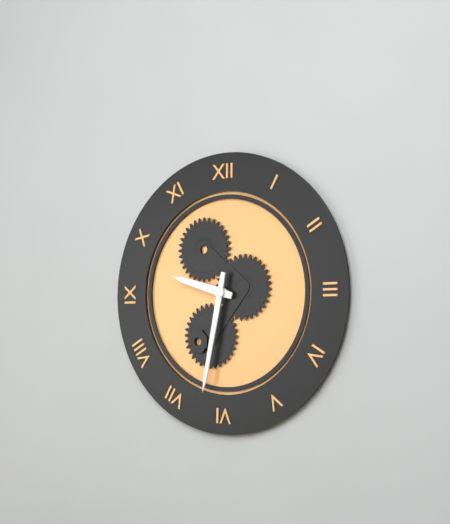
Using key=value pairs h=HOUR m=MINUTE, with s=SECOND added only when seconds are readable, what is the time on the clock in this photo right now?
h=9 m=32
